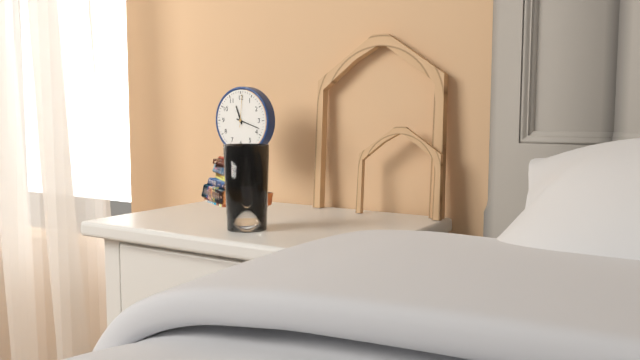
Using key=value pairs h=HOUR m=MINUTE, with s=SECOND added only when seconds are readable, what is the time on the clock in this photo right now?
h=11 m=18
